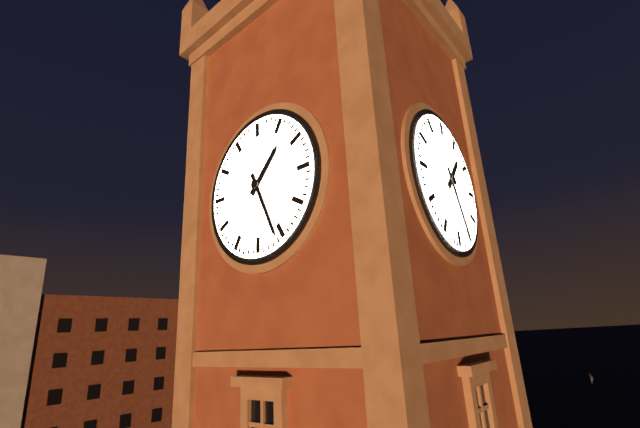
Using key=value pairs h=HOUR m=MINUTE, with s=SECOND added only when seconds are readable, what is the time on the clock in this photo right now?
h=1 m=26
